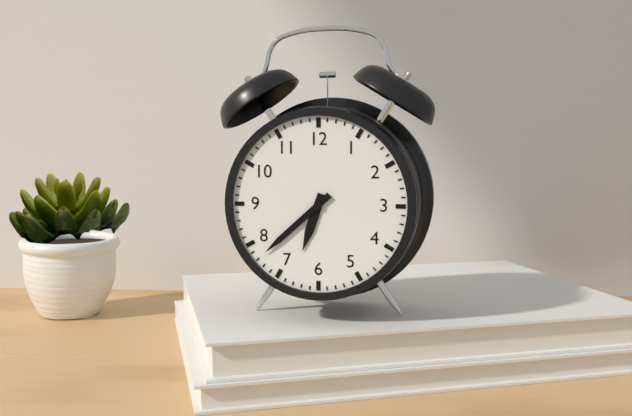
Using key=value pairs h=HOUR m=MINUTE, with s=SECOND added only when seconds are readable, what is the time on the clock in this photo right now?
h=6 m=38
